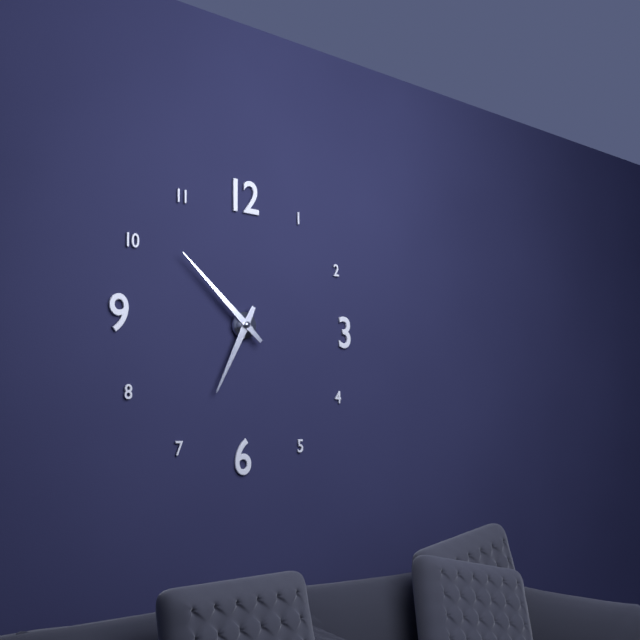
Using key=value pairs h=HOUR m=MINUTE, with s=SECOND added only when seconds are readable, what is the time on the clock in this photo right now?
h=6 m=52
